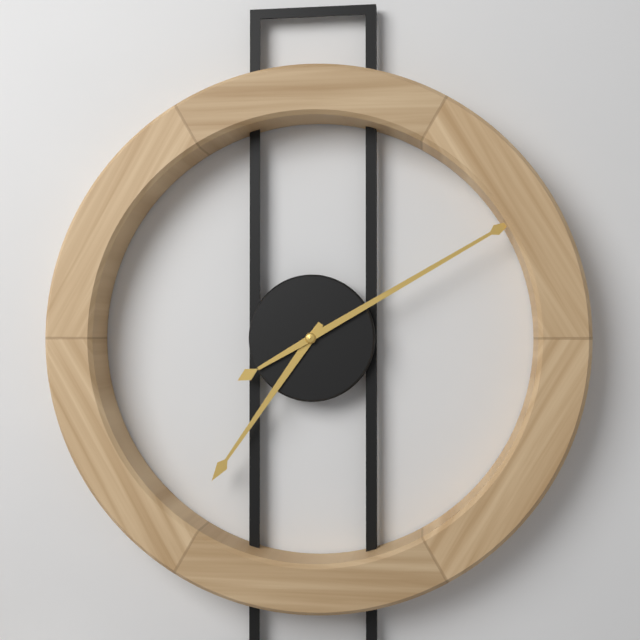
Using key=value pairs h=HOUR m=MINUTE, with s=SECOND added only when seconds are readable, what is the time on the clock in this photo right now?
h=7 m=10
